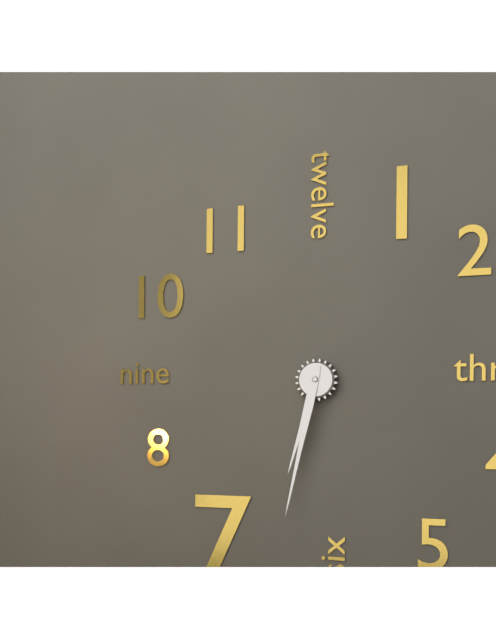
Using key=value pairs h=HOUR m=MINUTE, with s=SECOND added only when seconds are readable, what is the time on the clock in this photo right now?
h=6 m=32
